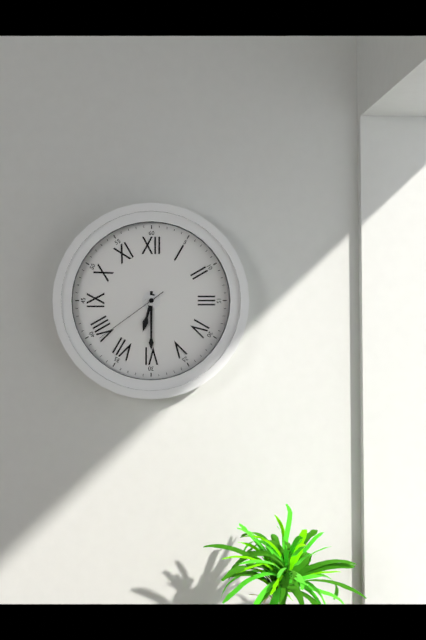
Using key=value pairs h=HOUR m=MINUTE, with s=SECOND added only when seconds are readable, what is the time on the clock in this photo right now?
h=6 m=30 s=39
